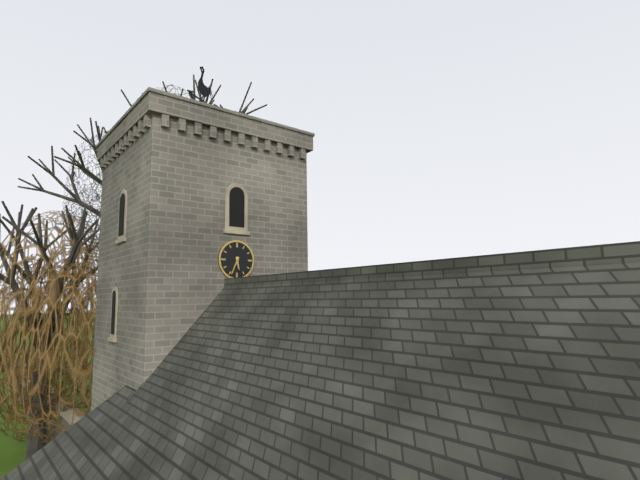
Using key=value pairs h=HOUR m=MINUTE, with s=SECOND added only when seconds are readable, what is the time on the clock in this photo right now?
h=5 m=34
